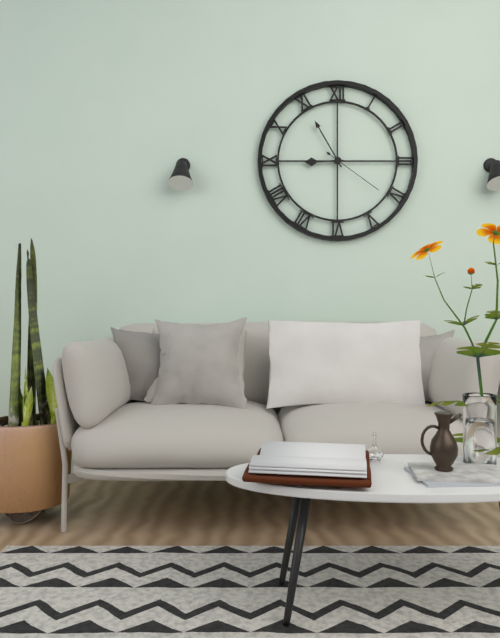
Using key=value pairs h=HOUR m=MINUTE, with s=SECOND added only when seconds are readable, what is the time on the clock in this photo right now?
h=8 m=55 s=21
